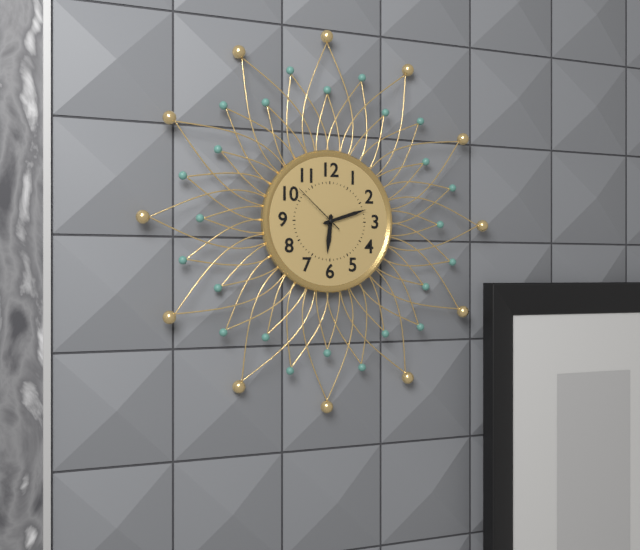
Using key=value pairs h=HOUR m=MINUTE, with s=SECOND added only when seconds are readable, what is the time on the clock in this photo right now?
h=6 m=12 s=52
